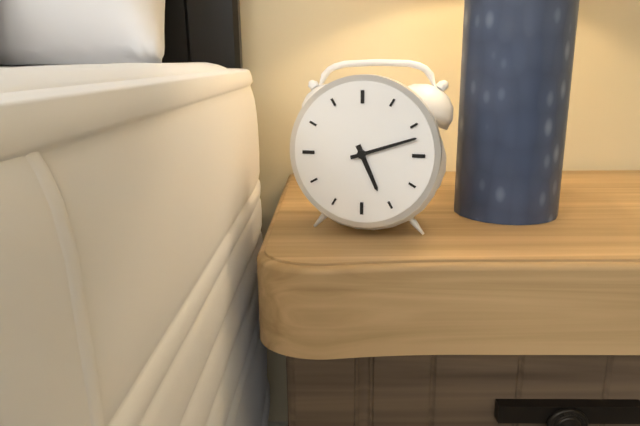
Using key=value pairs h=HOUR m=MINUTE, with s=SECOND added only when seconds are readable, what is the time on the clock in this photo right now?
h=5 m=12
